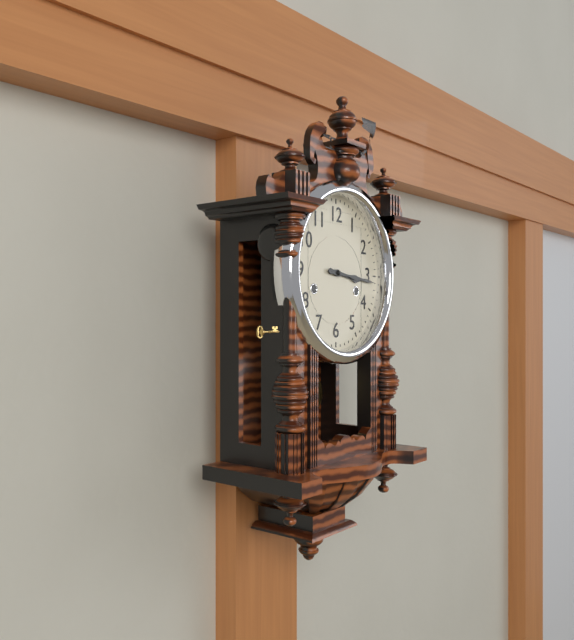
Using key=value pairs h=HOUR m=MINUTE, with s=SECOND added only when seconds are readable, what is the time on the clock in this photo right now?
h=3 m=16
